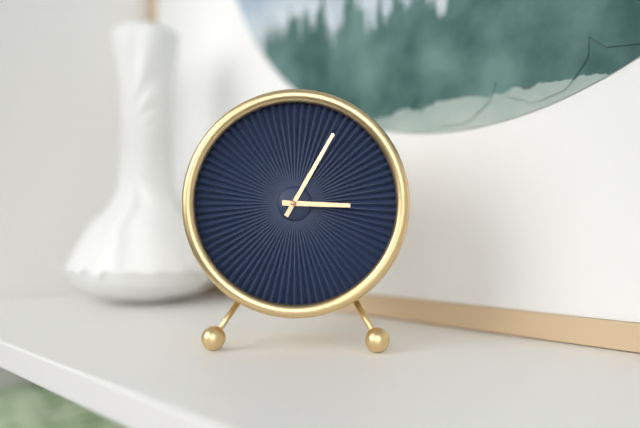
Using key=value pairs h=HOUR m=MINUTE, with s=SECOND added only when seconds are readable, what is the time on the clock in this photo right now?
h=3 m=5
